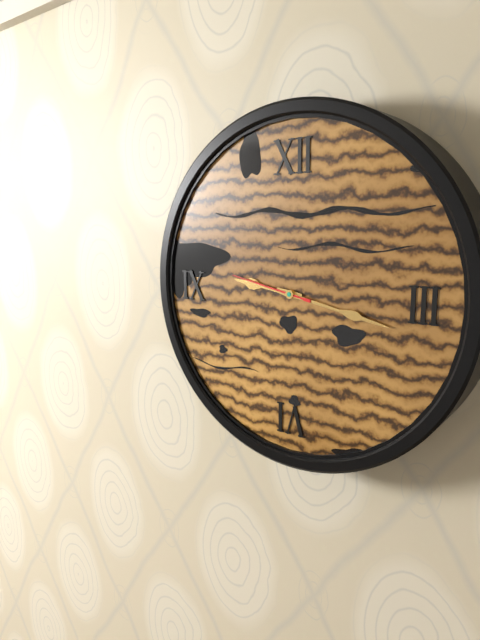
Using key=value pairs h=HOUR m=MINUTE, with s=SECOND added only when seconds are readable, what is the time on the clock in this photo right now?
h=9 m=17 s=47
